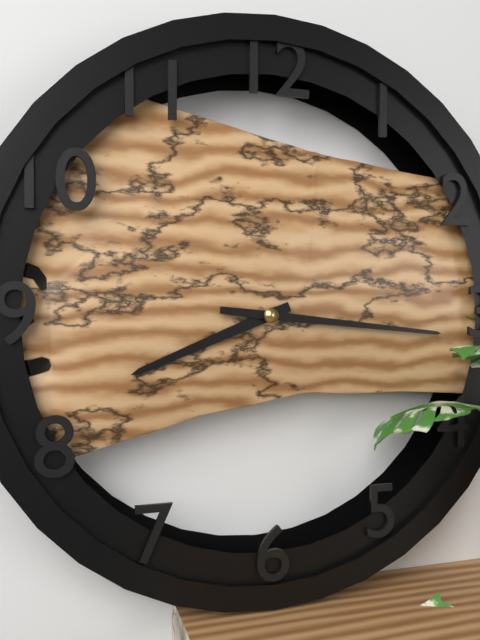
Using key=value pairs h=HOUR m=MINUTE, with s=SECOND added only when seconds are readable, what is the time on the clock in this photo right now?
h=8 m=16
